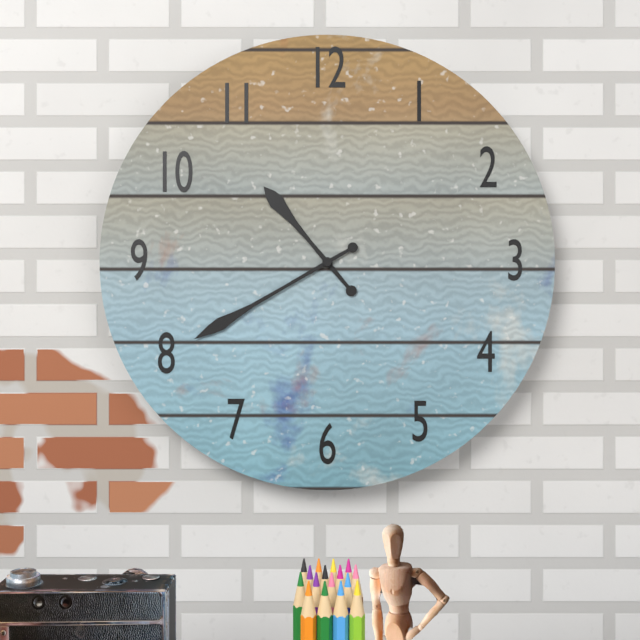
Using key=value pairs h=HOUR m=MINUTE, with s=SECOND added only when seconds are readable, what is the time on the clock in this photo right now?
h=10 m=40
